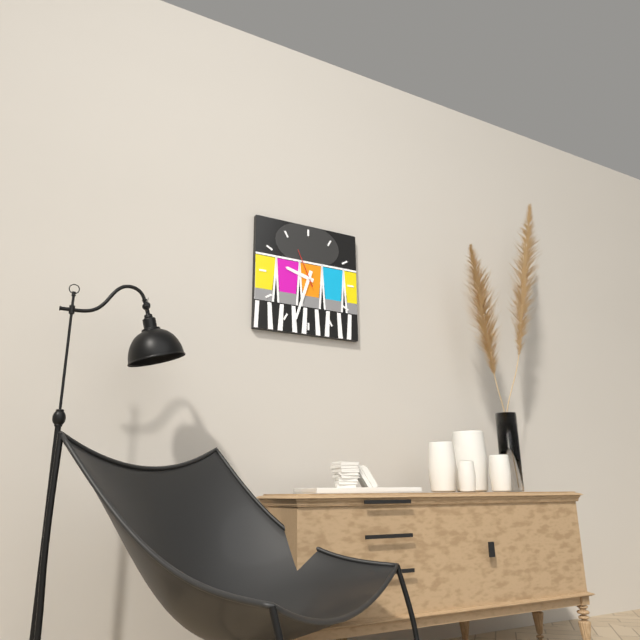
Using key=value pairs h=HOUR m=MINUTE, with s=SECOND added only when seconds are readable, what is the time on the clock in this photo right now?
h=9 m=33
